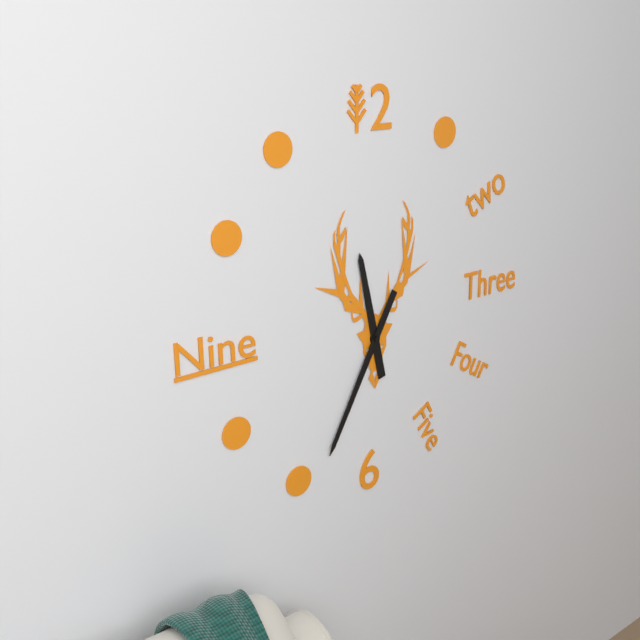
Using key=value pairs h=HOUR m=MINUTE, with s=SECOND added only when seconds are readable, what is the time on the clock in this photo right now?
h=11 m=35
